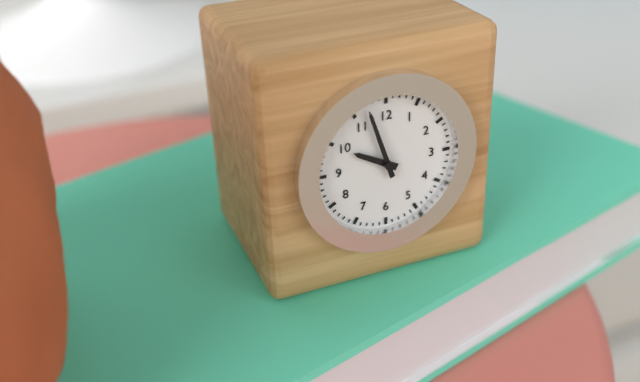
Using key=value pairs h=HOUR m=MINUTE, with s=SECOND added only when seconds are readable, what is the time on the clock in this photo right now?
h=9 m=57
